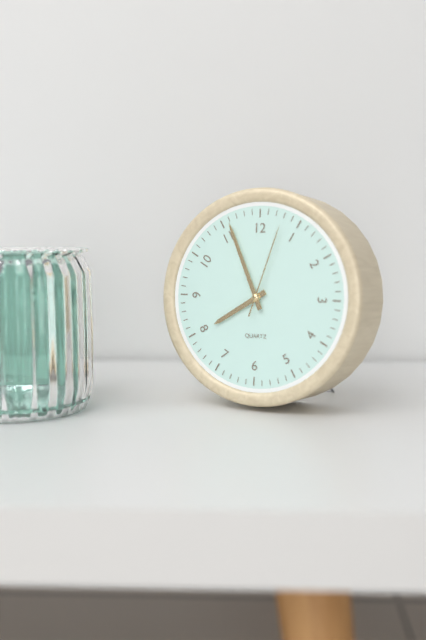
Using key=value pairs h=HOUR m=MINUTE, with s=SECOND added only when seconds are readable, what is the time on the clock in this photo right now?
h=7 m=56 s=3
